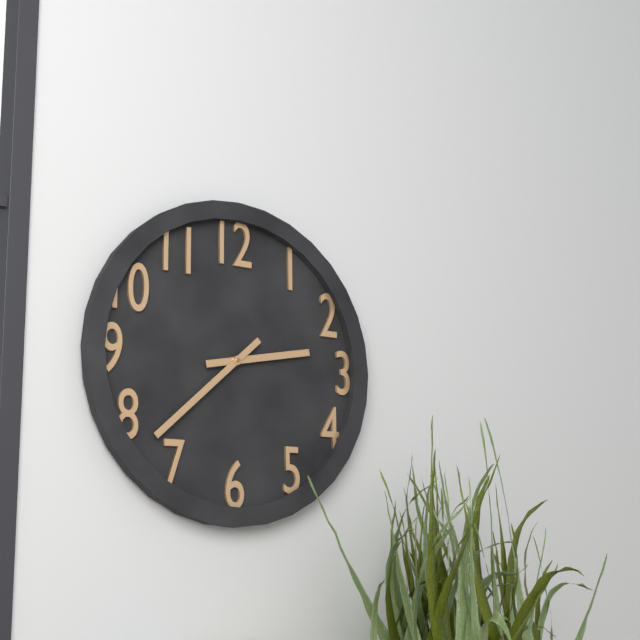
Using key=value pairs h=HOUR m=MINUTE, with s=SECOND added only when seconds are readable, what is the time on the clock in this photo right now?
h=2 m=38
